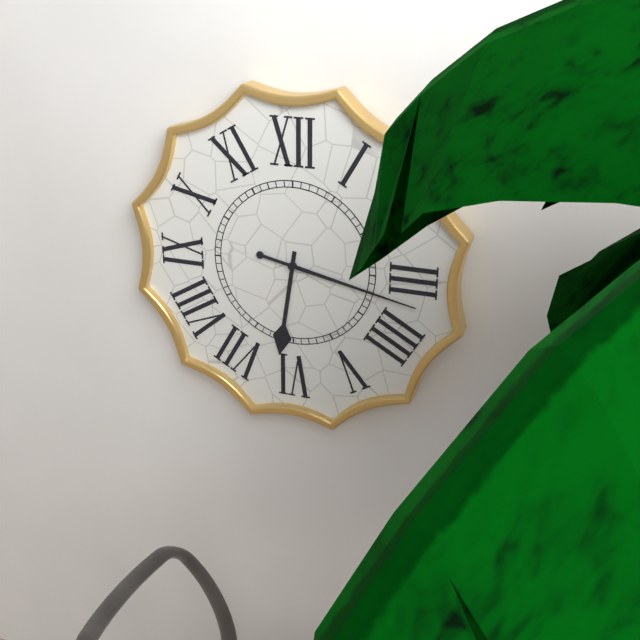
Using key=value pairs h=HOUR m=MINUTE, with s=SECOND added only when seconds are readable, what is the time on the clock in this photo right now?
h=6 m=17
